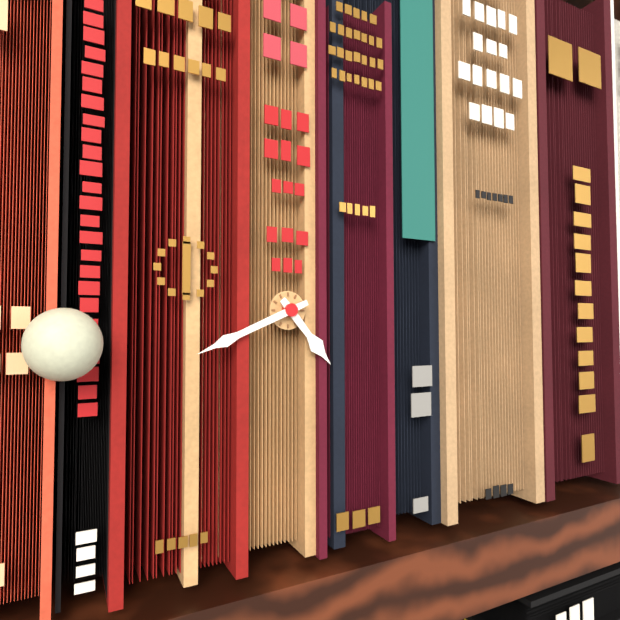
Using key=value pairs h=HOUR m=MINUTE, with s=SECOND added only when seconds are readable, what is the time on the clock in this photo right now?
h=4 m=41
